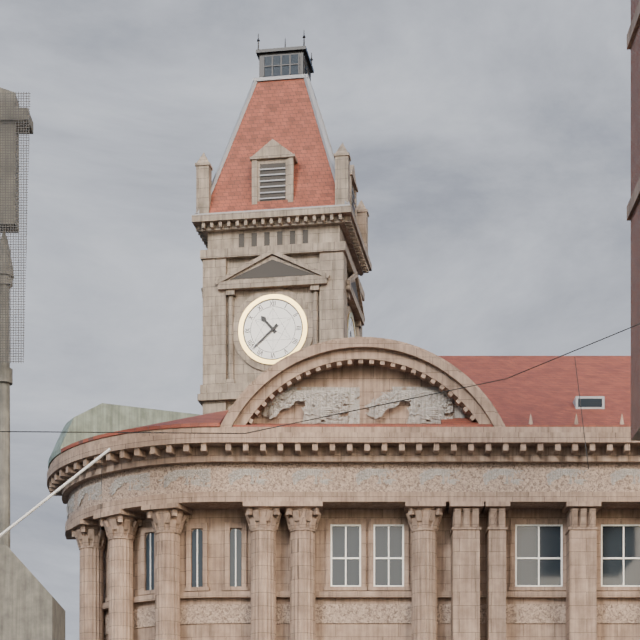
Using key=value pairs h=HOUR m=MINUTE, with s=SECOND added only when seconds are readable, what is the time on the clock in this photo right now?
h=10 m=38
